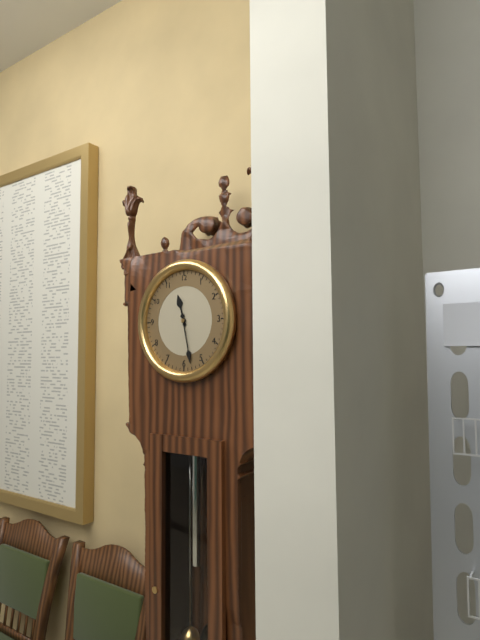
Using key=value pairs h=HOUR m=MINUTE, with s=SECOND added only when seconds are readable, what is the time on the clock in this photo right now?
h=11 m=28
